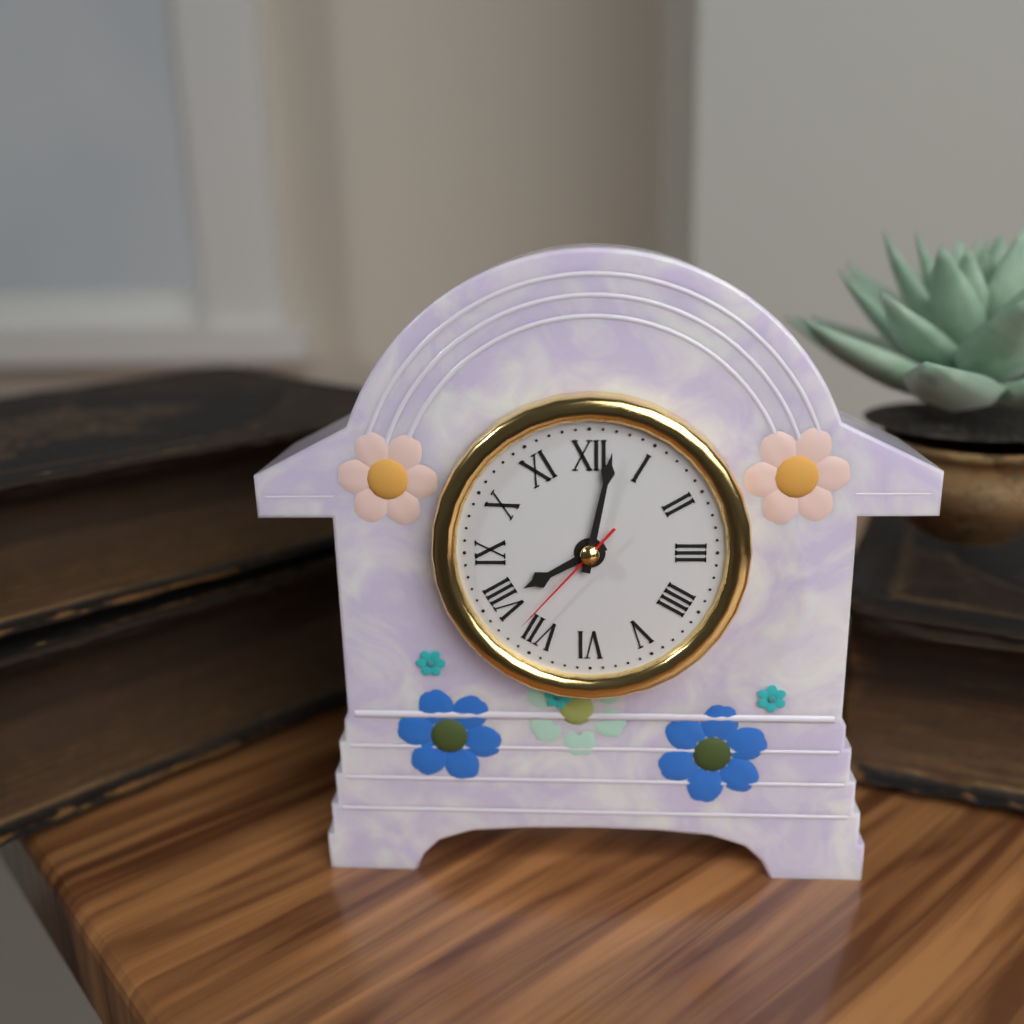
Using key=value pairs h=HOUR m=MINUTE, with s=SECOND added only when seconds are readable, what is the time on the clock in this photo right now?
h=8 m=2 s=37
